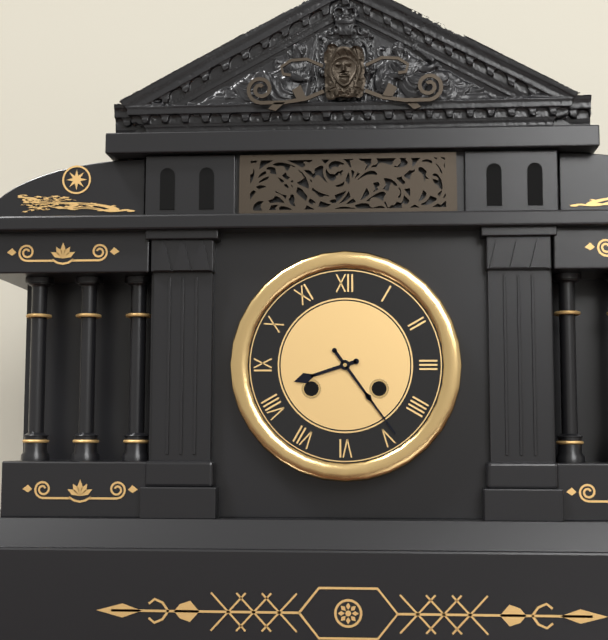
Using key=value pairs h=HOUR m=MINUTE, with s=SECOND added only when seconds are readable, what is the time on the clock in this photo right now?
h=8 m=24
